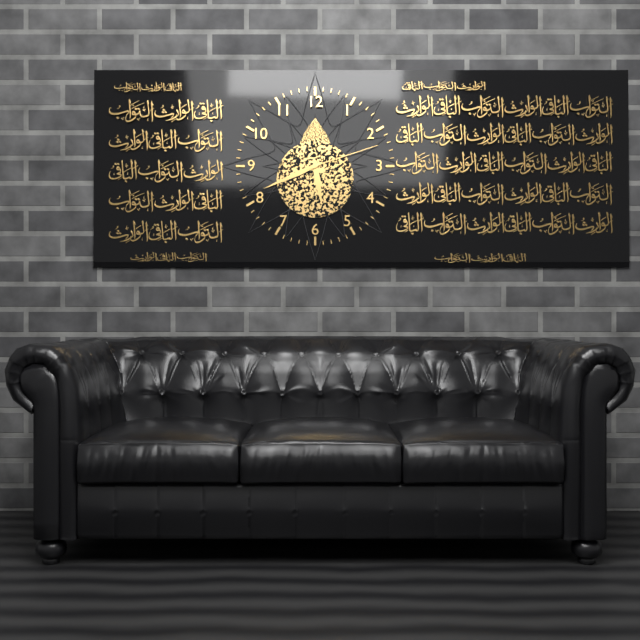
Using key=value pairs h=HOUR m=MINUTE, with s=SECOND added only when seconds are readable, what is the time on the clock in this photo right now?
h=5 m=41 s=12
